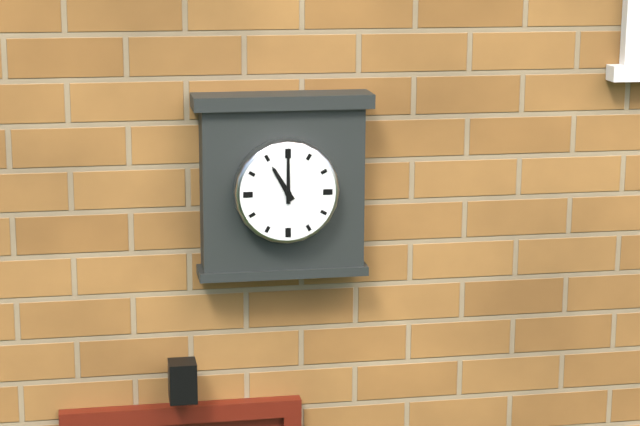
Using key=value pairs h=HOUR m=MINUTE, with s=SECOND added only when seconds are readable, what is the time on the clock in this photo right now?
h=11 m=0
